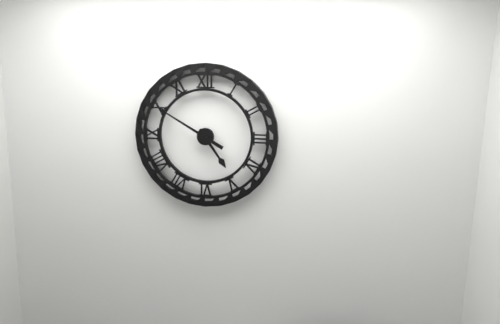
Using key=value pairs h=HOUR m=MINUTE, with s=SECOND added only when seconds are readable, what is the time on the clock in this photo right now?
h=4 m=50
